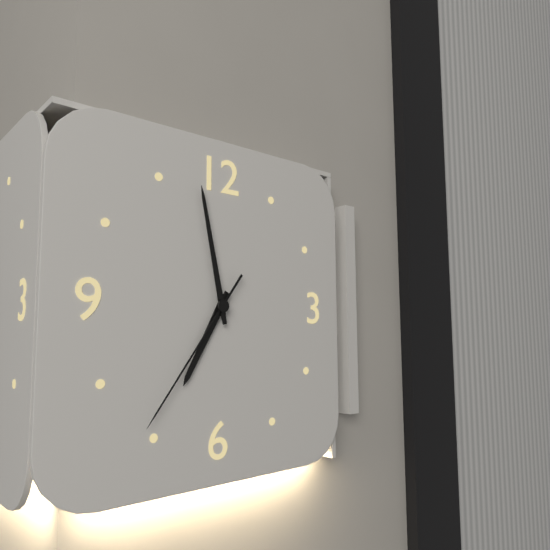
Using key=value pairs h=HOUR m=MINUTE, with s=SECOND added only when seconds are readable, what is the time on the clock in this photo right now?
h=6 m=58 s=36
